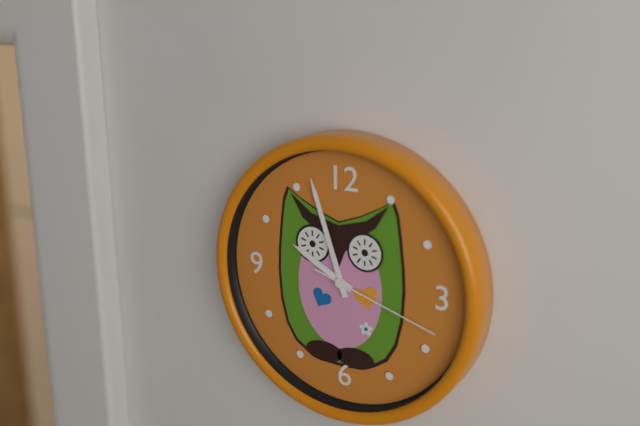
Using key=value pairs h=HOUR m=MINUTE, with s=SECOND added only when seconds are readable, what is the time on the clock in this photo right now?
h=9 m=57 s=18
